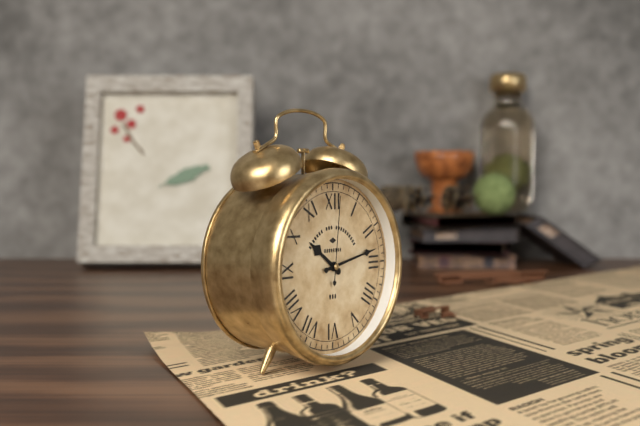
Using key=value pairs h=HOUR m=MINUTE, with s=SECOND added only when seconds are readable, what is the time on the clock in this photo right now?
h=10 m=13 s=1
